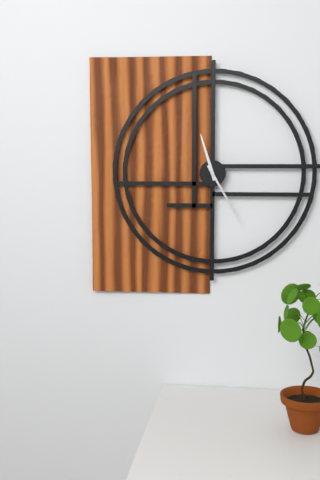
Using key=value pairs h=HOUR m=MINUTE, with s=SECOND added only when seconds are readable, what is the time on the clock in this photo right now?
h=11 m=25
